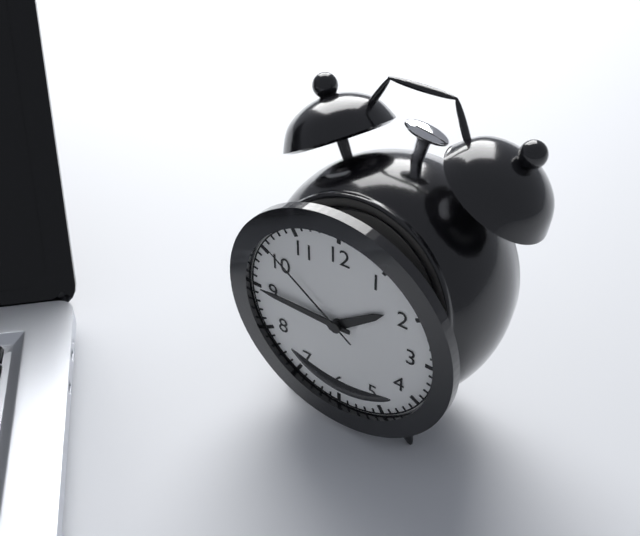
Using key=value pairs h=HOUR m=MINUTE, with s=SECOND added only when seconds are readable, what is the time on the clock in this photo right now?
h=1 m=45 s=51
